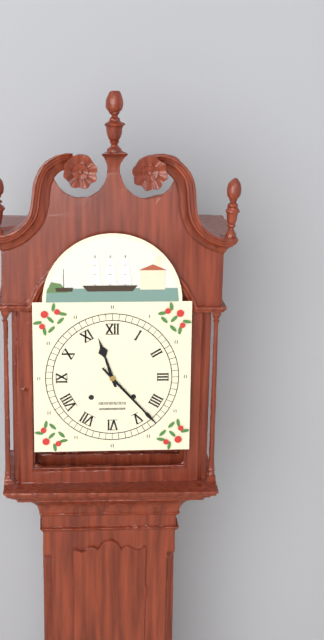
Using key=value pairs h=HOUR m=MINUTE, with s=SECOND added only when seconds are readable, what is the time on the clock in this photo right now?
h=11 m=23
